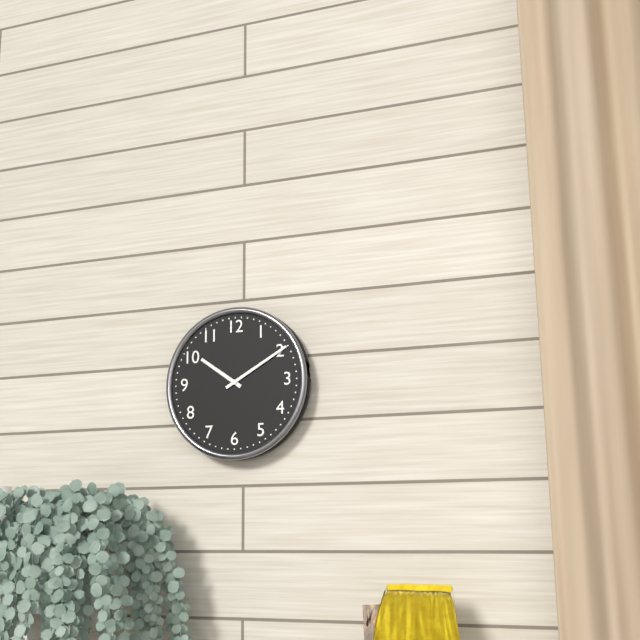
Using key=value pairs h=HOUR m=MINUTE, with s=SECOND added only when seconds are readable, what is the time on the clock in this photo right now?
h=10 m=10
